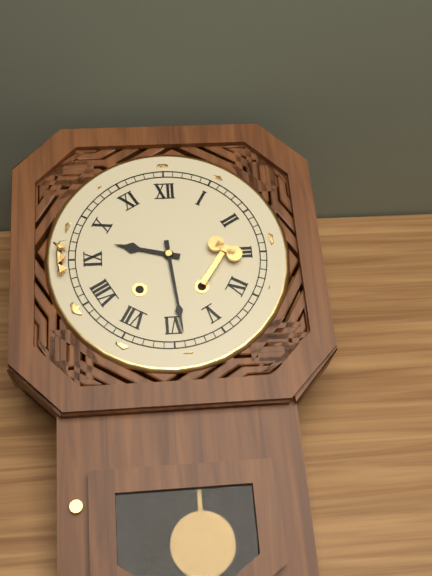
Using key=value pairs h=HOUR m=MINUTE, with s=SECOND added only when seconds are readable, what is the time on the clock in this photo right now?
h=9 m=29
